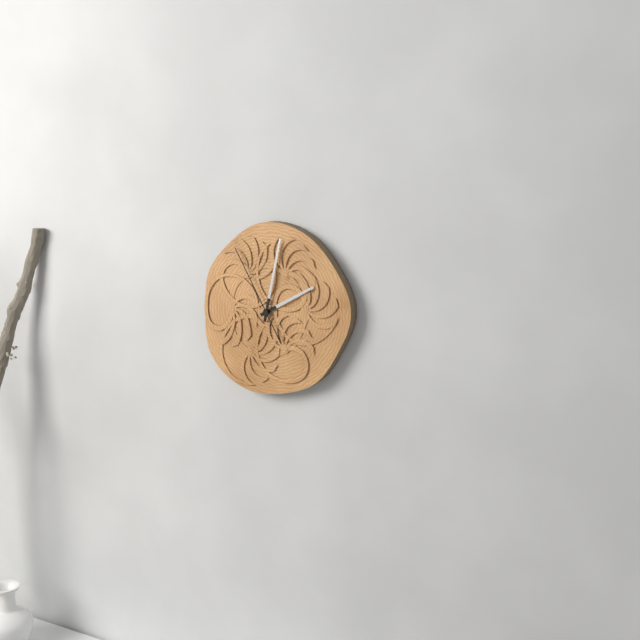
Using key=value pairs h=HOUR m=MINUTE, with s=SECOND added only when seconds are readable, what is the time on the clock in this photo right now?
h=2 m=2 s=55
